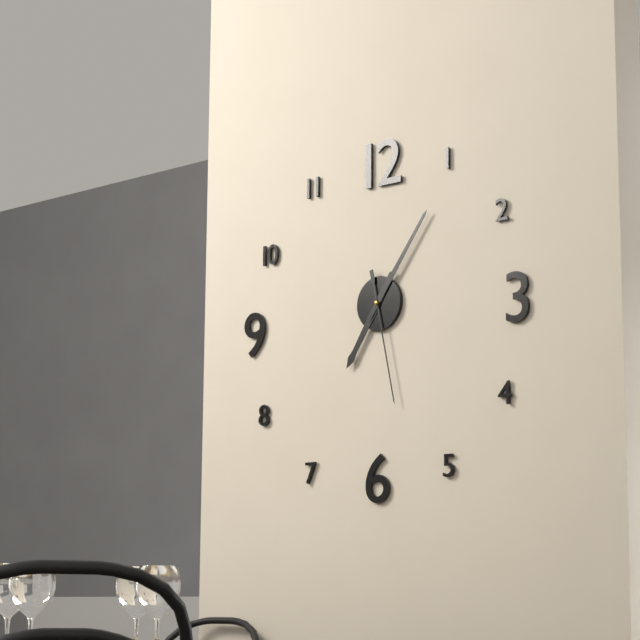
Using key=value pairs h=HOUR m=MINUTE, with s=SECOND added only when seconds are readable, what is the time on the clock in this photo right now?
h=7 m=6 s=28
